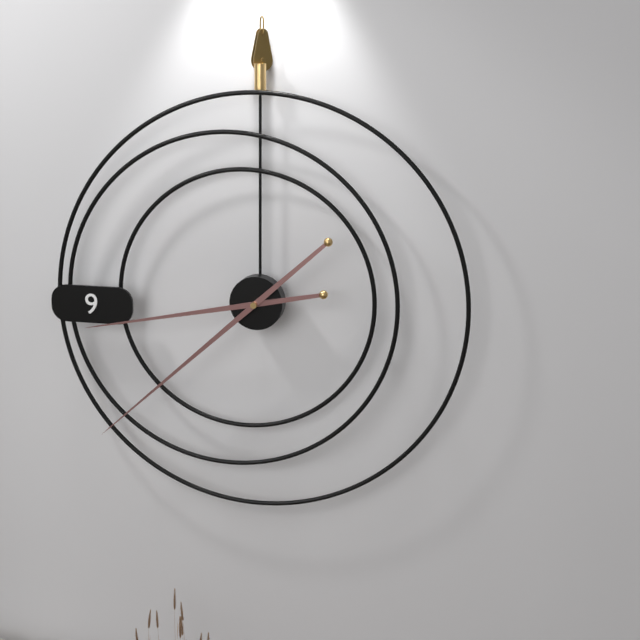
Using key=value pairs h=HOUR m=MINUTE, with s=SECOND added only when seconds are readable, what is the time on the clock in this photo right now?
h=8 m=38
